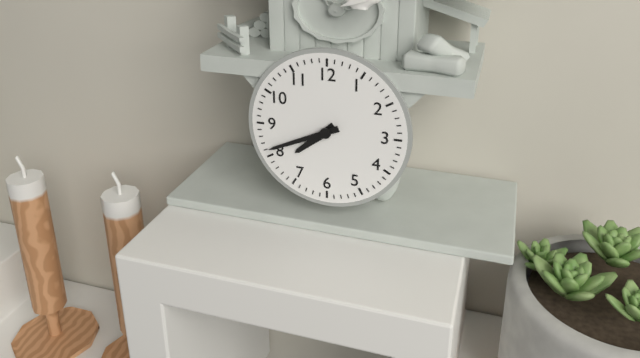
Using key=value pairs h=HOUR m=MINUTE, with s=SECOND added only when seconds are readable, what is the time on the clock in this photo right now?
h=7 m=41
